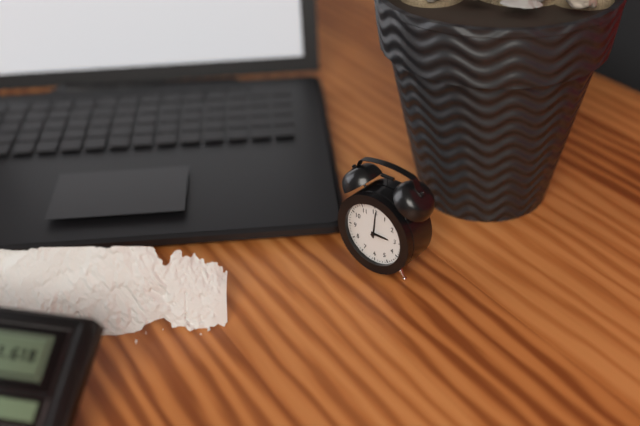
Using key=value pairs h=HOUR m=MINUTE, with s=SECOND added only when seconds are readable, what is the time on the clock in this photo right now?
h=3 m=1
